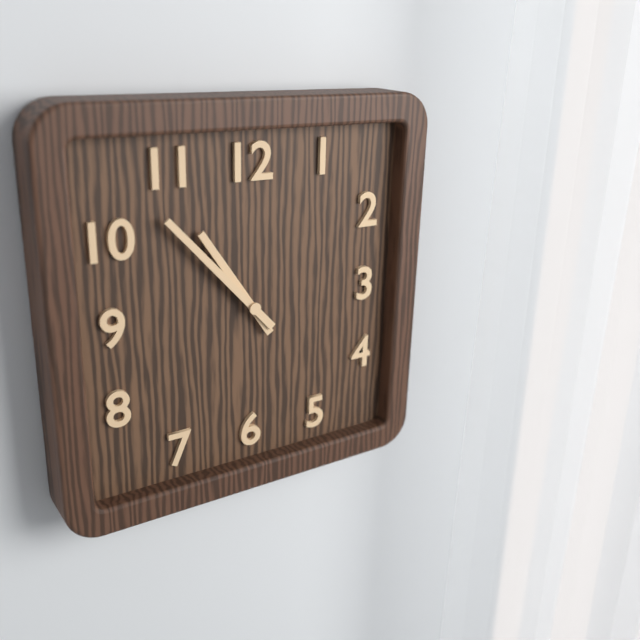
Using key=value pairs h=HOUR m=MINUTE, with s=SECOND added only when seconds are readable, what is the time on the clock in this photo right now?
h=10 m=53
